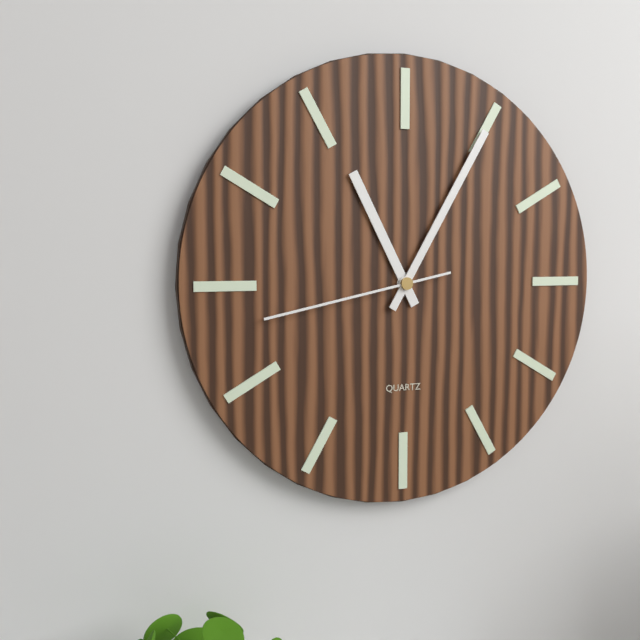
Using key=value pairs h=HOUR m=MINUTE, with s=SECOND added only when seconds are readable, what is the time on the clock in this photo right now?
h=11 m=5 s=43
